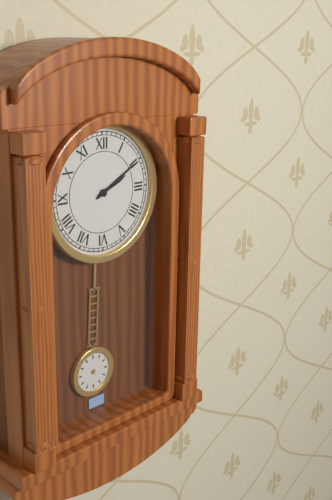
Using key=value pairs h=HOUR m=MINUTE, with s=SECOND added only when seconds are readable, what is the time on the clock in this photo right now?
h=2 m=10
